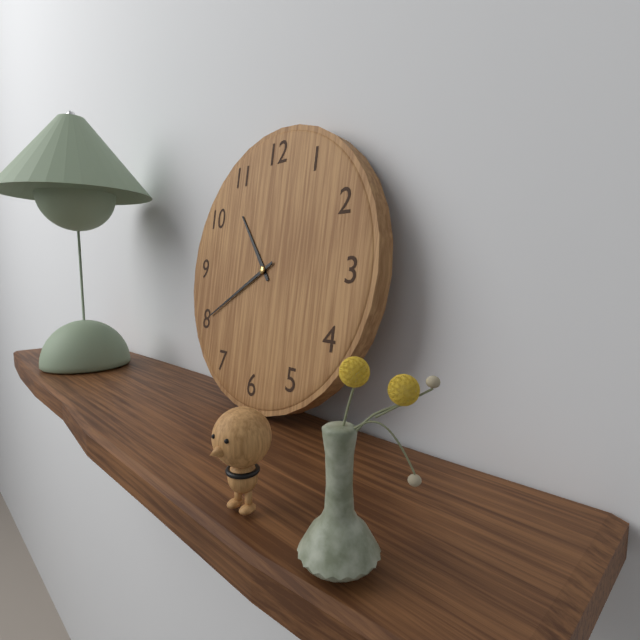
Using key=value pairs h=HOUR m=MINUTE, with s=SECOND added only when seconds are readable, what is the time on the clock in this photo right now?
h=10 m=40
